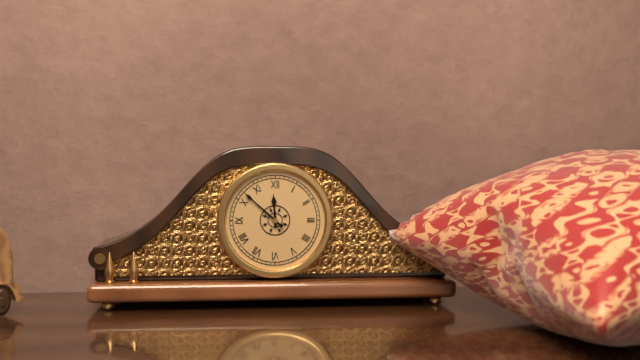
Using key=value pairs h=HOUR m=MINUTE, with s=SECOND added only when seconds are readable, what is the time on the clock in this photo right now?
h=11 m=52
